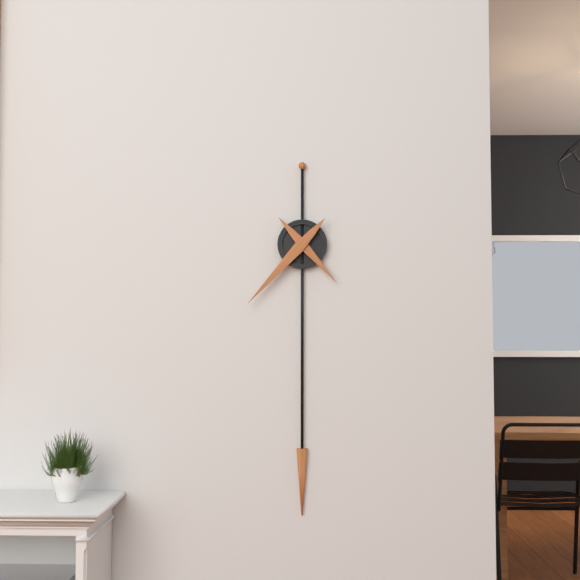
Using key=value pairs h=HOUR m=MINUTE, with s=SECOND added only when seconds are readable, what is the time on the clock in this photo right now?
h=4 m=37
